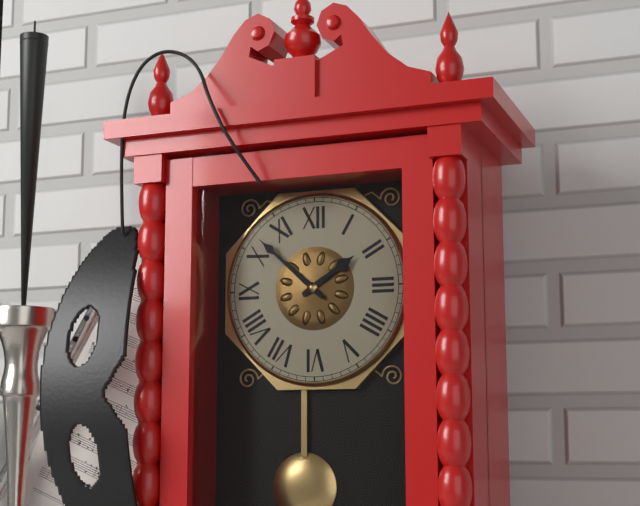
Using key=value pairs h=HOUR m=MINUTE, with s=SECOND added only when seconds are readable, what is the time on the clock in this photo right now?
h=1 m=52
